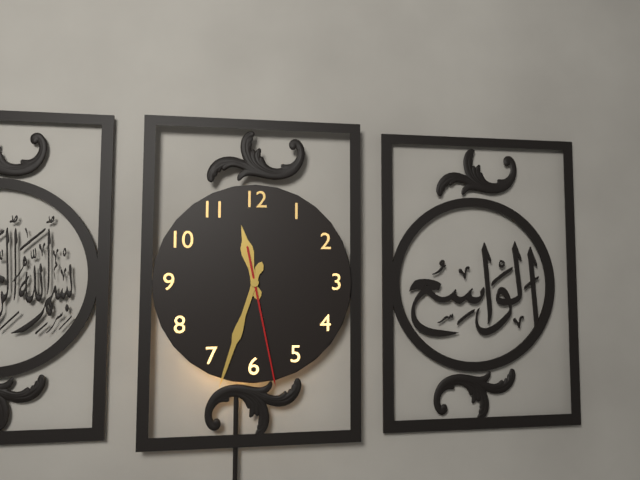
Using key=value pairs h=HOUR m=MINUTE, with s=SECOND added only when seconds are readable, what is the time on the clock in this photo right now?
h=11 m=33 s=28
